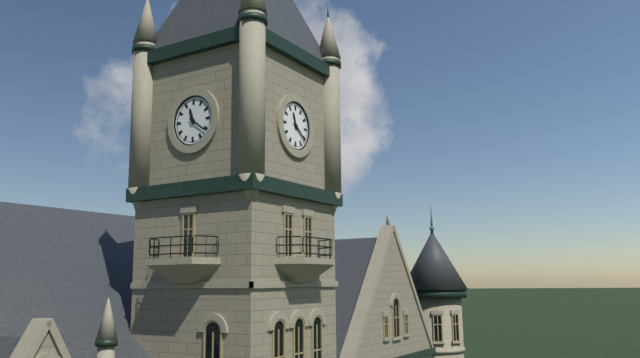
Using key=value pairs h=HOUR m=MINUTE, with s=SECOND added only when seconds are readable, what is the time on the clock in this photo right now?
h=11 m=21
